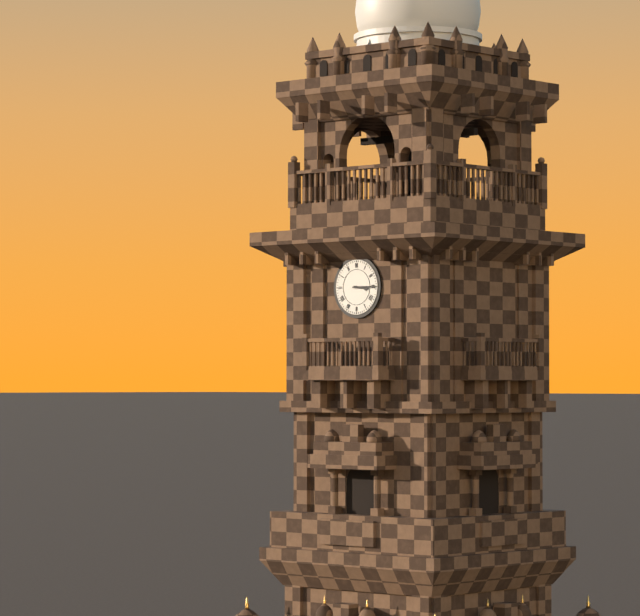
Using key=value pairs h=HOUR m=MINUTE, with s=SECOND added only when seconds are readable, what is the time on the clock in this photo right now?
h=3 m=15
